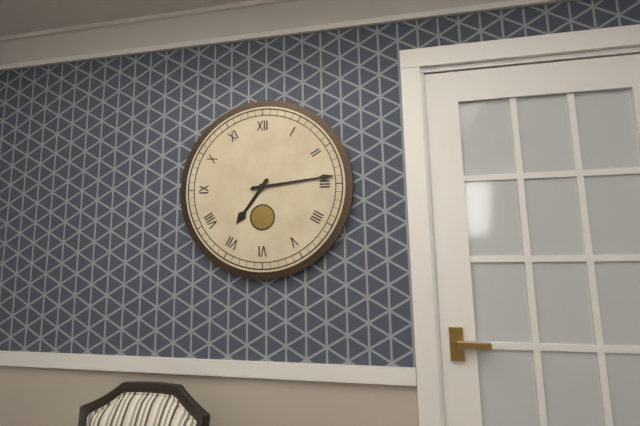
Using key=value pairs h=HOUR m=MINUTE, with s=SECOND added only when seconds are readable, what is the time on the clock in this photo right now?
h=7 m=14
